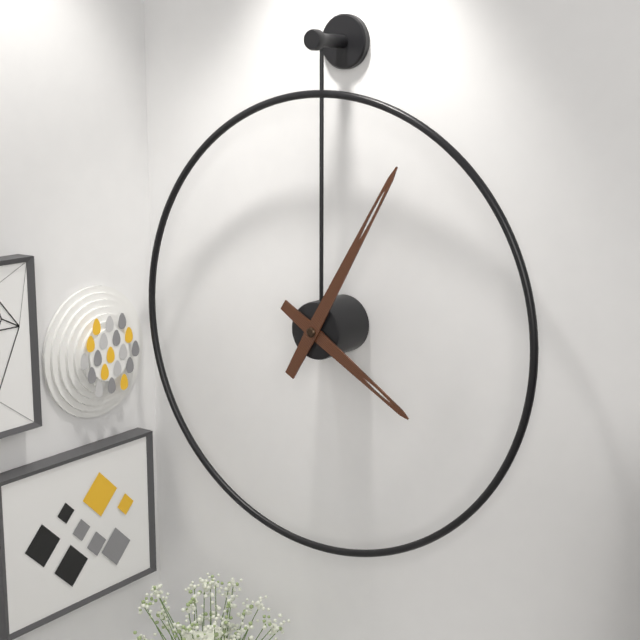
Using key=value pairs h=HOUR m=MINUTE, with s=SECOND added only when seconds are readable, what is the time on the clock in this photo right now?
h=4 m=5
